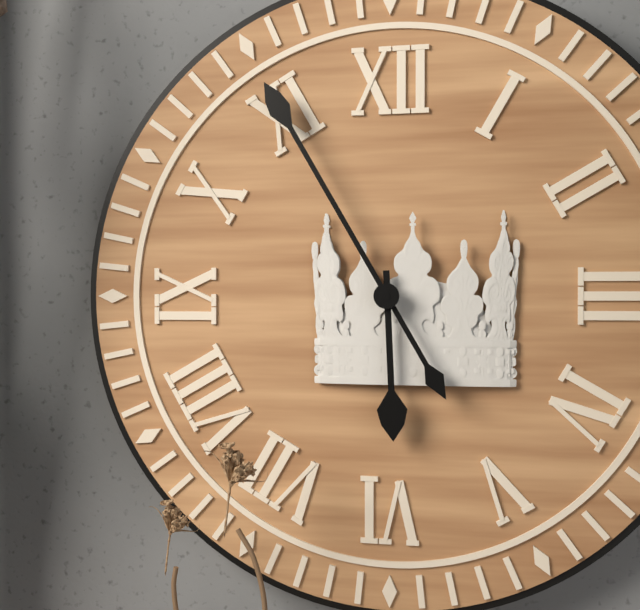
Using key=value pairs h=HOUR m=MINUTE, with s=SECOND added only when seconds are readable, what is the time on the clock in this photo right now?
h=5 m=55
